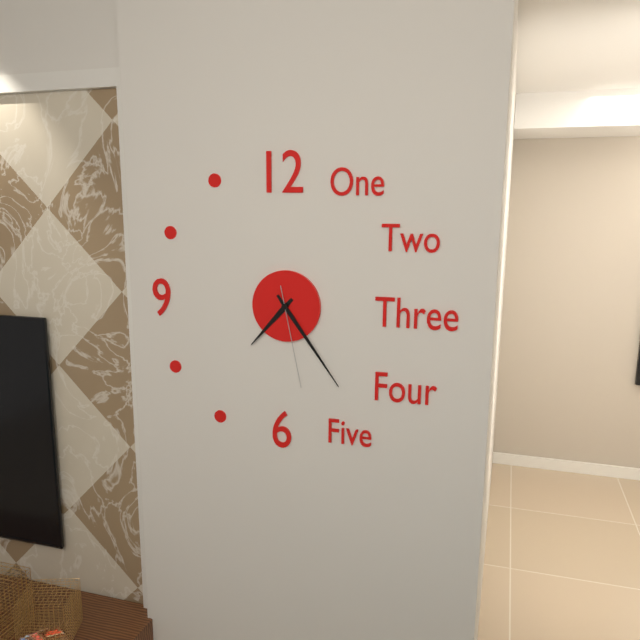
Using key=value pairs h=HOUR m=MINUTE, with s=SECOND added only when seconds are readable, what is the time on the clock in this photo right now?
h=7 m=24 s=28
